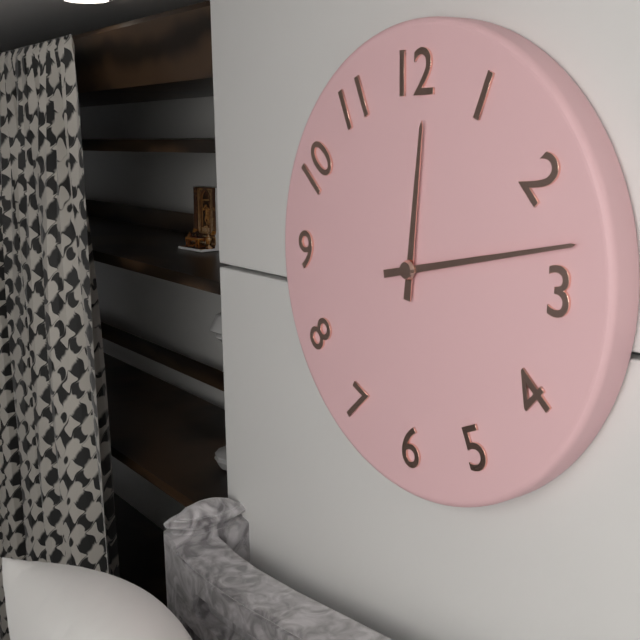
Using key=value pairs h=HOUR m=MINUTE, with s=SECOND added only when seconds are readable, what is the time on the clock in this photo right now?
h=12 m=13
